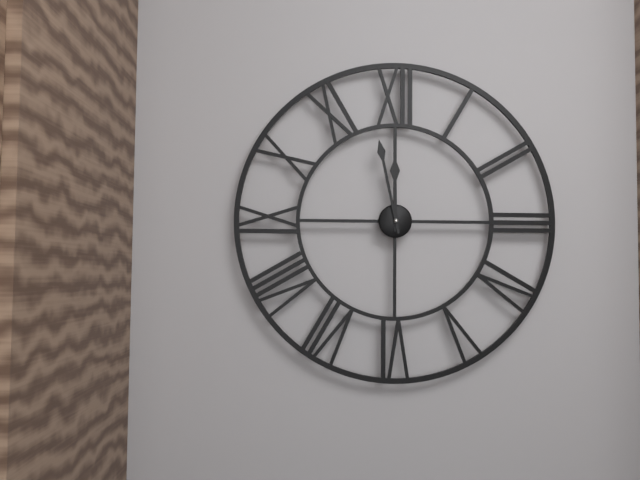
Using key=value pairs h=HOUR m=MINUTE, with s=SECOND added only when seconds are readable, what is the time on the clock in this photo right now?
h=11 m=58
